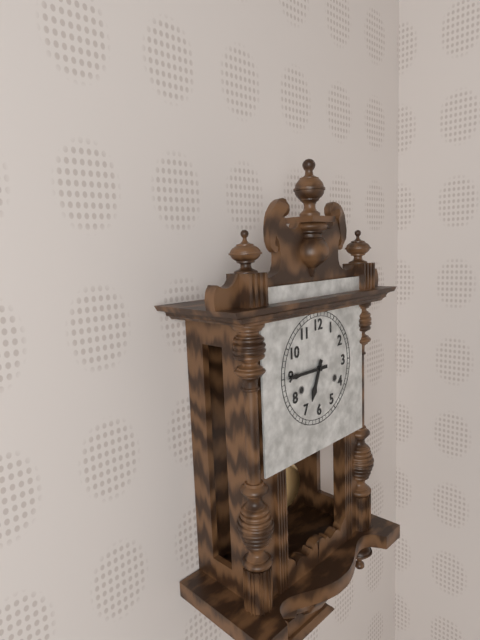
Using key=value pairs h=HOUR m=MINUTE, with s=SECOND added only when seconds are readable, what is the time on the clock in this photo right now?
h=6 m=45
